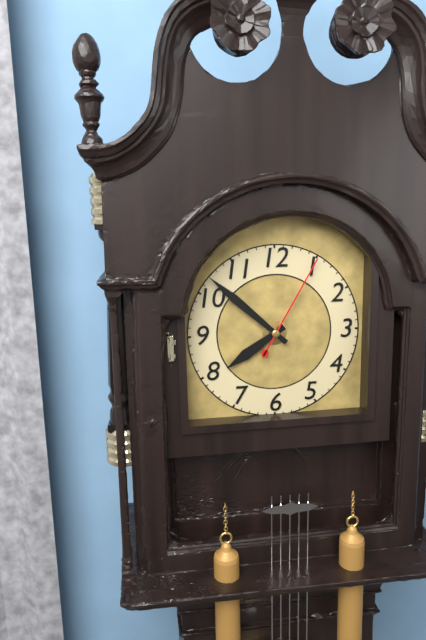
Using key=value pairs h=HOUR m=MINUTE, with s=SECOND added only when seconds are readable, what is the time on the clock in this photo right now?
h=7 m=52 s=5
